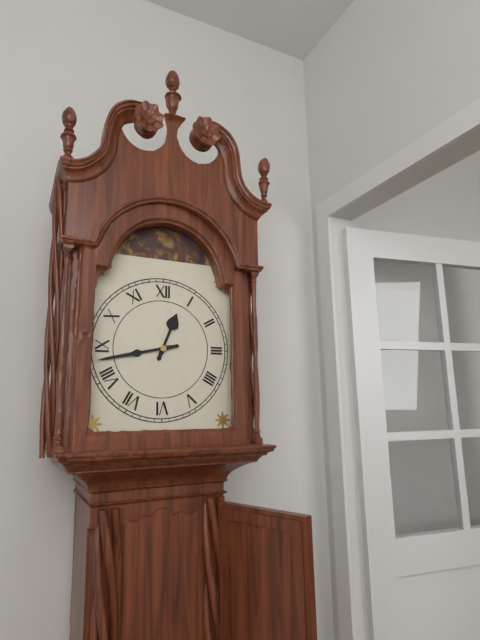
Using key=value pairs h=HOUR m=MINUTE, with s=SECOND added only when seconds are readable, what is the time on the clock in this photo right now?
h=12 m=43
